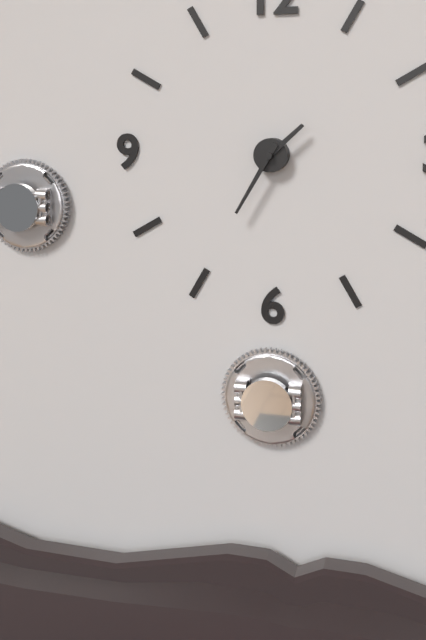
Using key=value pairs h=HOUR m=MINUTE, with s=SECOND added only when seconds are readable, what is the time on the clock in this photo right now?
h=1 m=35
